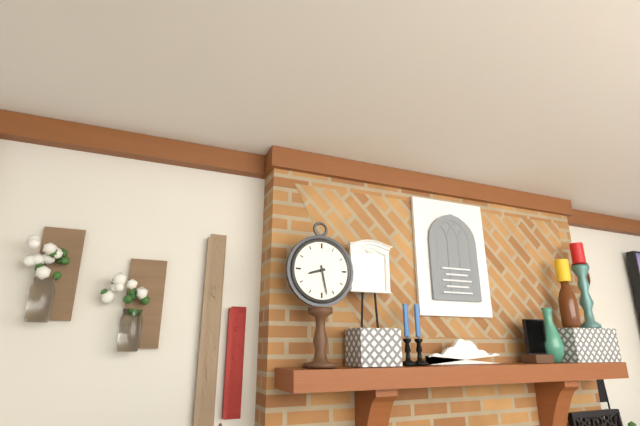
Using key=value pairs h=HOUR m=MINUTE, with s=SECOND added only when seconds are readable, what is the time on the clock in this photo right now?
h=8 m=28
